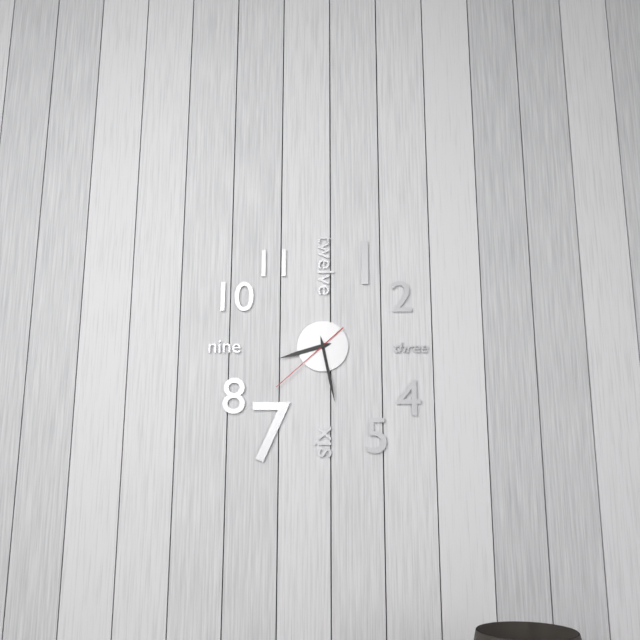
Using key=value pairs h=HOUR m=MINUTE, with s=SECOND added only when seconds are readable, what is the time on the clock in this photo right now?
h=8 m=28 s=38
